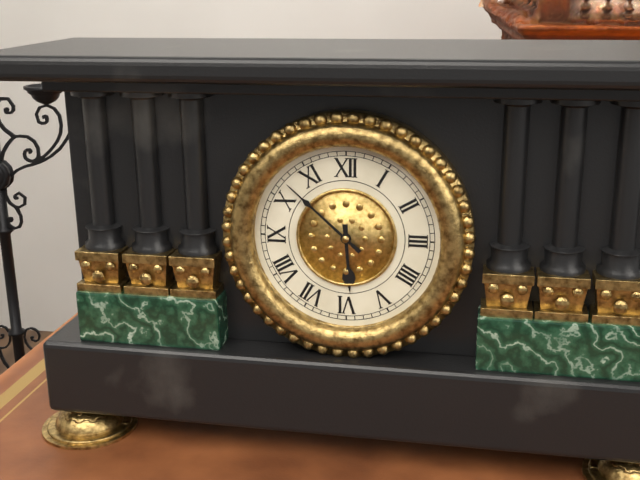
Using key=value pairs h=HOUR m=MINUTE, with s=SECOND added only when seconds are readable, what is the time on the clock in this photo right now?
h=5 m=52
